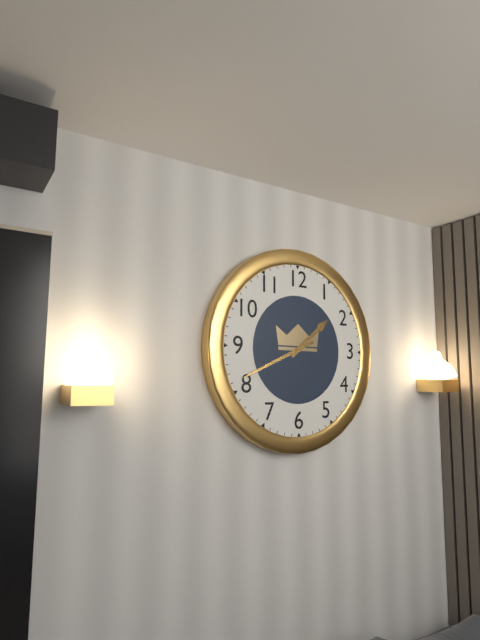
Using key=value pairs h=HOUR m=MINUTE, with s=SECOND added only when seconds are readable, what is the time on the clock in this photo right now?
h=1 m=41
